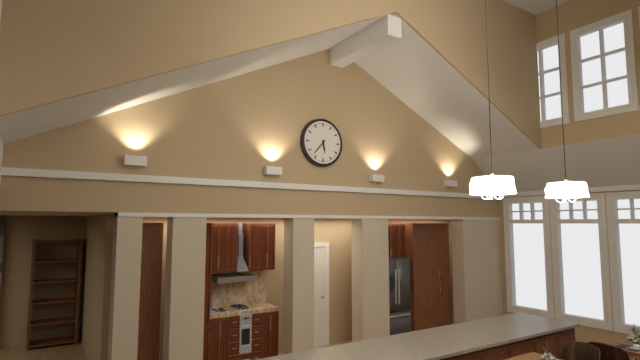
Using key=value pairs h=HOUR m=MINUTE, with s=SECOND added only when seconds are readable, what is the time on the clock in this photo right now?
h=5 m=37
